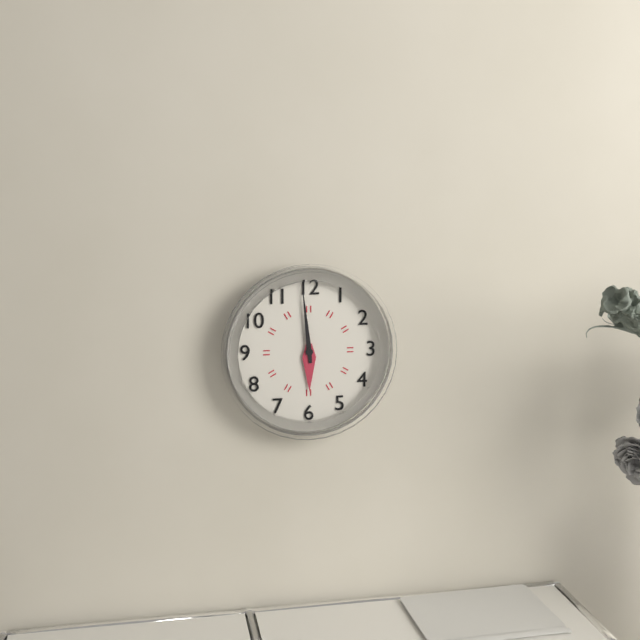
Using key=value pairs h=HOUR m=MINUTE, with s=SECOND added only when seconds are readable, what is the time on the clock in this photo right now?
h=5 m=59
